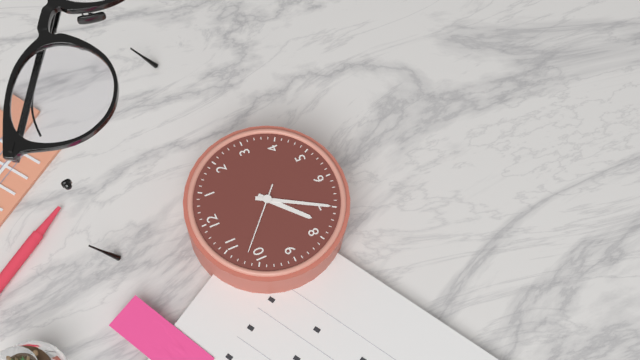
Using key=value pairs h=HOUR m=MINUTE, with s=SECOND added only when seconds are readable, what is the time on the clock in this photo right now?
h=7 m=35 s=52
